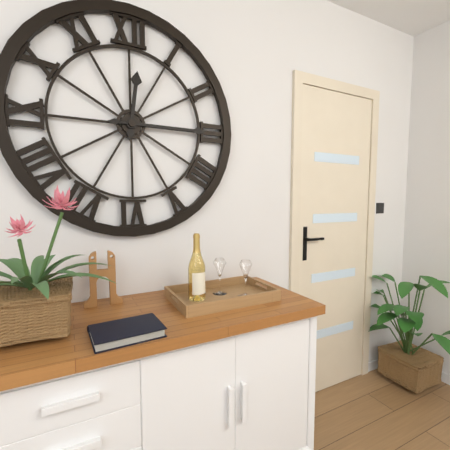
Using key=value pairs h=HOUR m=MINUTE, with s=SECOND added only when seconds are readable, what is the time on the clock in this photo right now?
h=12 m=15
